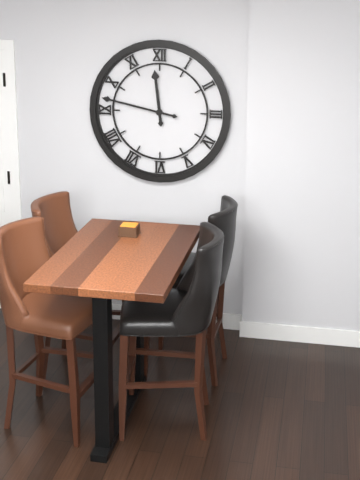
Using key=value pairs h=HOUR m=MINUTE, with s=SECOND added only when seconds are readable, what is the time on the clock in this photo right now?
h=11 m=47
